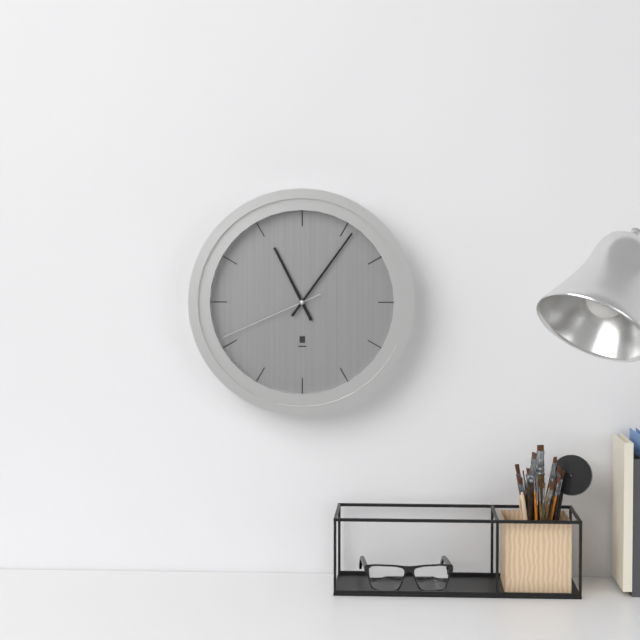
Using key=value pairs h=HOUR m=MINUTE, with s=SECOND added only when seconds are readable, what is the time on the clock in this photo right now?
h=11 m=6 s=41
